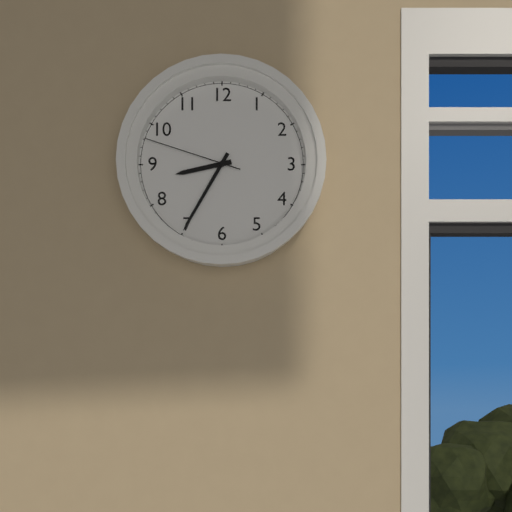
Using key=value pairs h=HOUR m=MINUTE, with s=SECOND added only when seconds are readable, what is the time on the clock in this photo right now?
h=8 m=35 s=48
